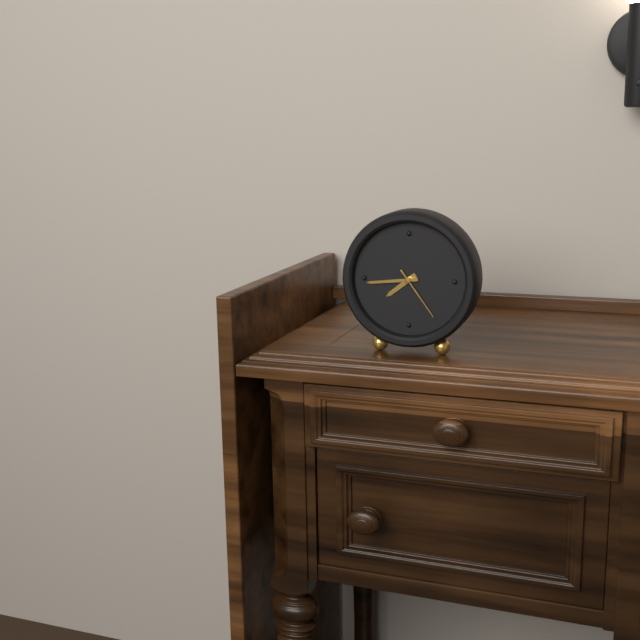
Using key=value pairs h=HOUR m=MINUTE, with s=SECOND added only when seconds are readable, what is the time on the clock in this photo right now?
h=7 m=44 s=24
